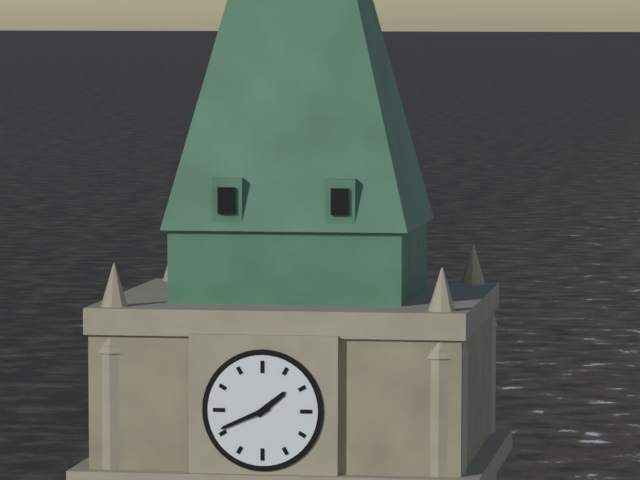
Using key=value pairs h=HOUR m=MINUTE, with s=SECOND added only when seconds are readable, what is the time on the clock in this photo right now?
h=1 m=41
